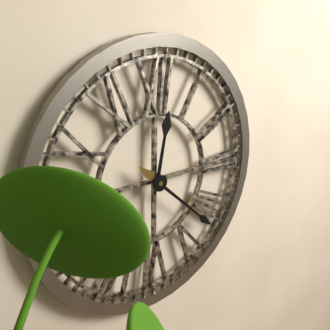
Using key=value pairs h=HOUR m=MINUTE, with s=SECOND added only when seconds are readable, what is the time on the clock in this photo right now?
h=12 m=22
